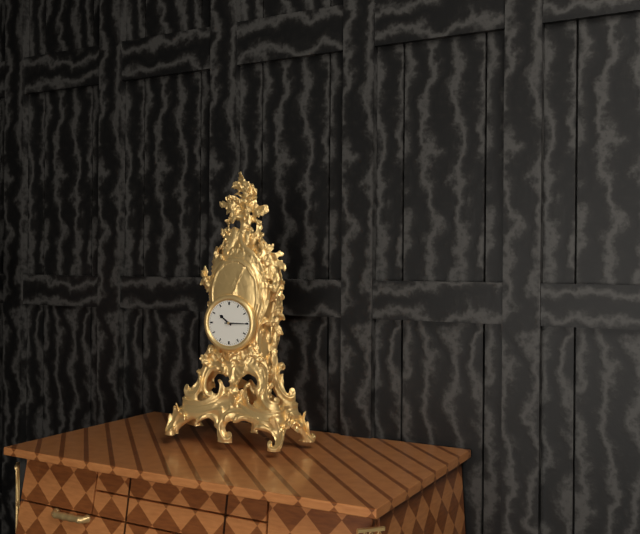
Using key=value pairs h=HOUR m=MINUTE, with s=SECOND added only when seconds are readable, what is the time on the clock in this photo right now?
h=10 m=15
